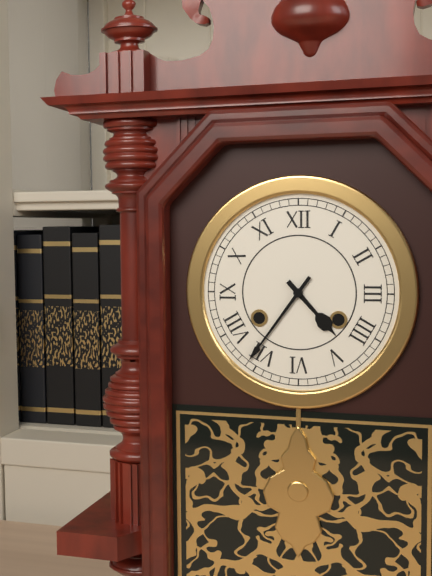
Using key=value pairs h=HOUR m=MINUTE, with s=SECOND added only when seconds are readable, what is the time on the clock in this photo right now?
h=4 m=36
